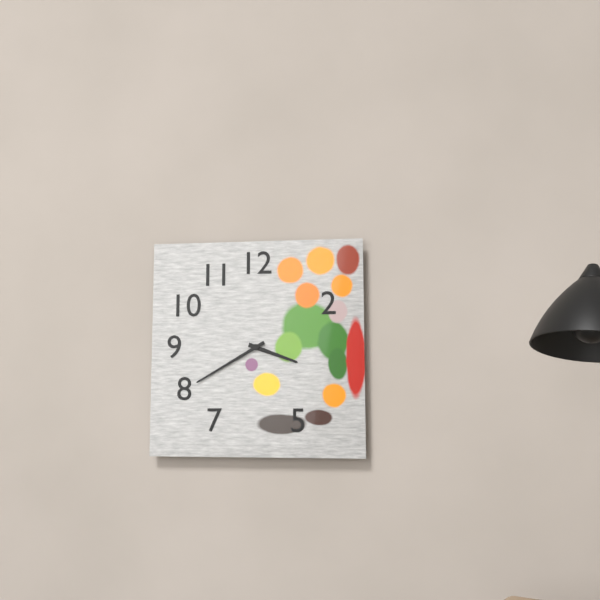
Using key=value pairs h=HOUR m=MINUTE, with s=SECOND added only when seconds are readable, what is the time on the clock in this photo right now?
h=3 m=40
